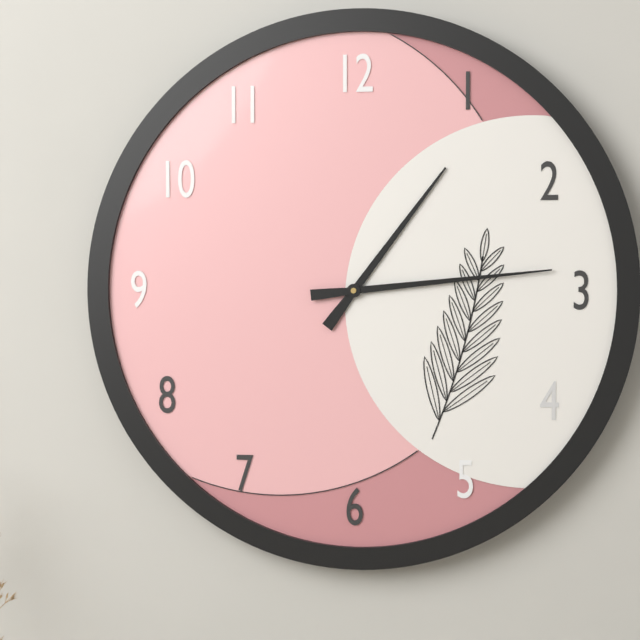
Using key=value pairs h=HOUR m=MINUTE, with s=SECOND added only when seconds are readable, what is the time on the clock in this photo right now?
h=1 m=14
